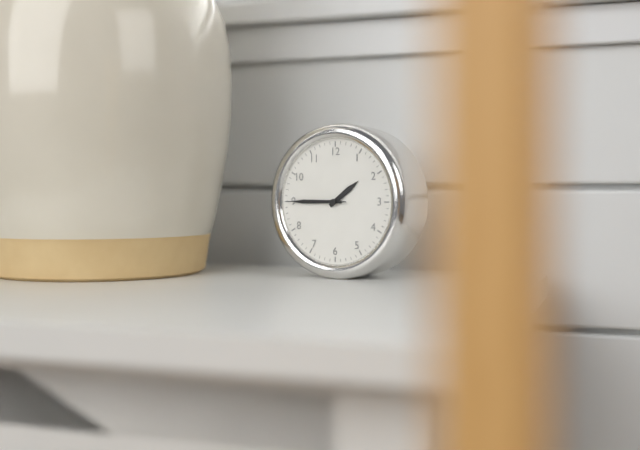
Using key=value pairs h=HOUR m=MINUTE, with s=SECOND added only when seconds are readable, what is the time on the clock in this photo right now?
h=1 m=45 s=45
